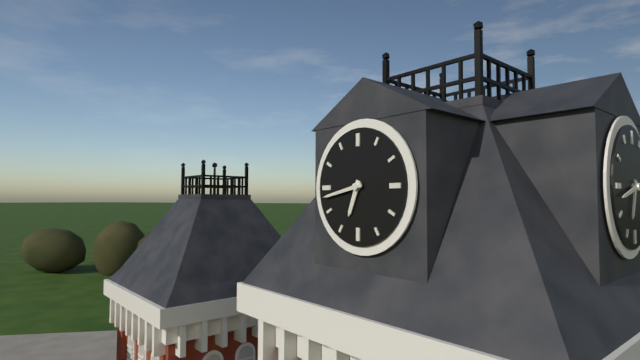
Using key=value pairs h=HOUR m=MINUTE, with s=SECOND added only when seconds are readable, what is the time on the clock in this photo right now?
h=6 m=43
